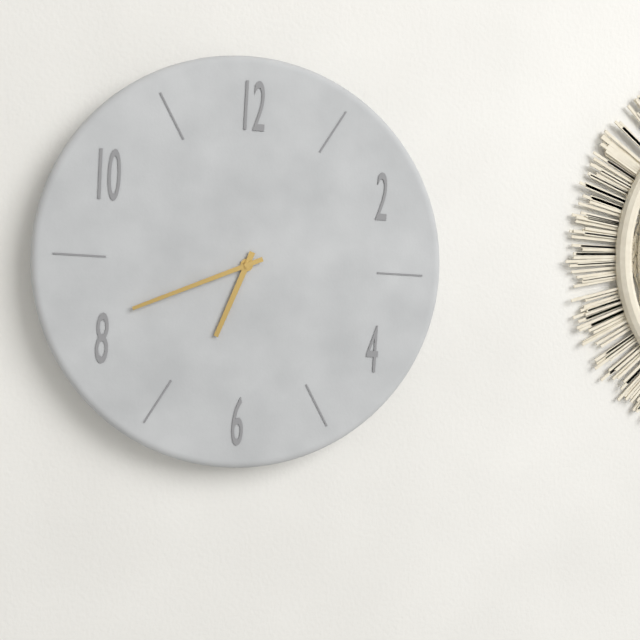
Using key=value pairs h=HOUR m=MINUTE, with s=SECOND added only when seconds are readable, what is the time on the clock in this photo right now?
h=6 m=41
